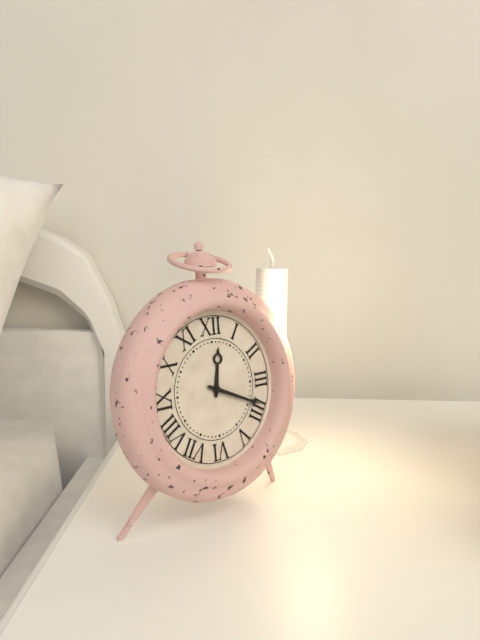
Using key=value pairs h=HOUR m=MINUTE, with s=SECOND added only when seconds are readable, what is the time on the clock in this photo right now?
h=12 m=19
